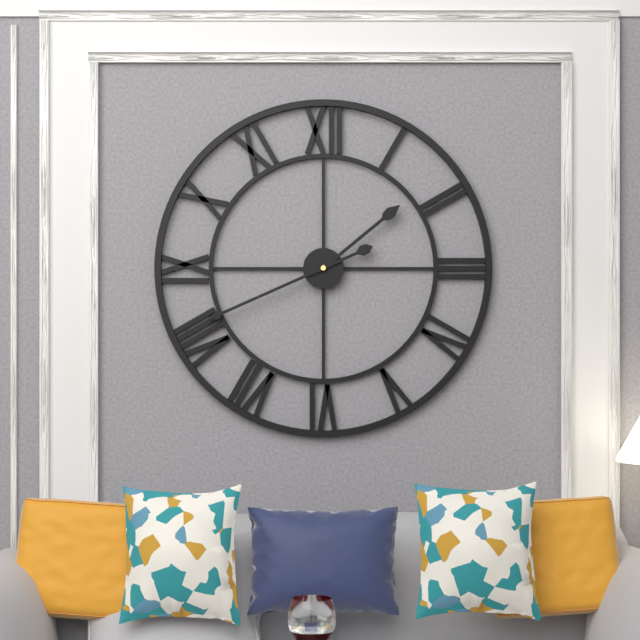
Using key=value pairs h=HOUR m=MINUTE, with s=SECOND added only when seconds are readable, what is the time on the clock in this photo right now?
h=1 m=41
